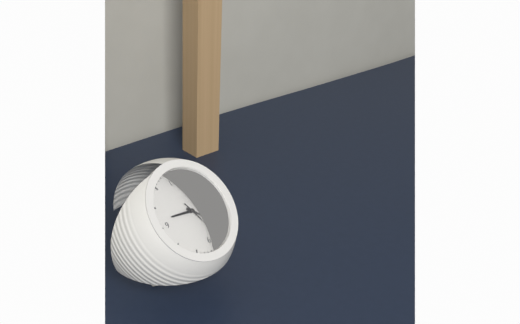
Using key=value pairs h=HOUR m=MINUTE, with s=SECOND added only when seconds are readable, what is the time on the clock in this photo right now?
h=9 m=23 s=27
